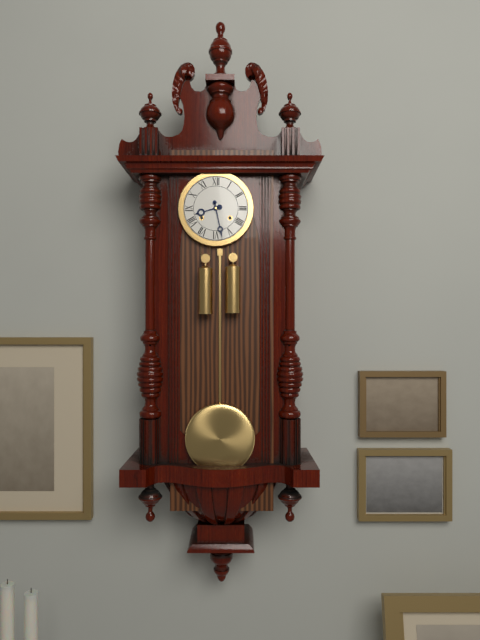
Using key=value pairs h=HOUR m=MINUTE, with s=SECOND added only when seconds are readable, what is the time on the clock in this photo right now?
h=8 m=28
